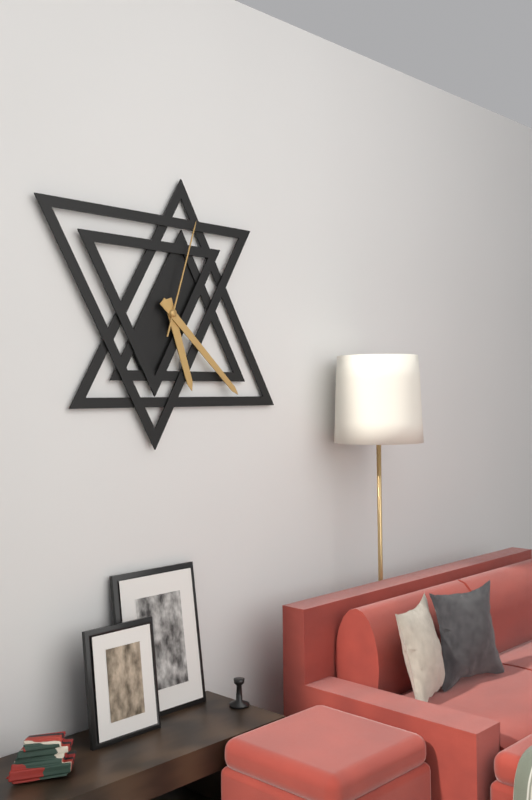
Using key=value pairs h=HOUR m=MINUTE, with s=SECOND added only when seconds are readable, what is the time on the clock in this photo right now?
h=5 m=22 s=3
